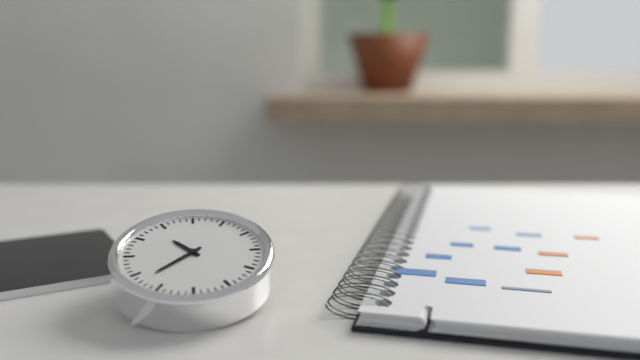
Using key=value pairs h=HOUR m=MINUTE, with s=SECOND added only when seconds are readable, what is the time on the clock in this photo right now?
h=10 m=38
